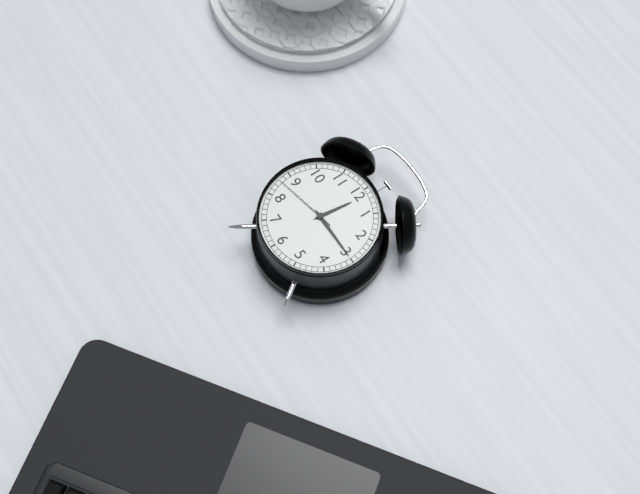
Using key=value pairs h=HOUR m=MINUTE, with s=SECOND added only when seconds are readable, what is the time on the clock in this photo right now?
h=12 m=15 s=43
